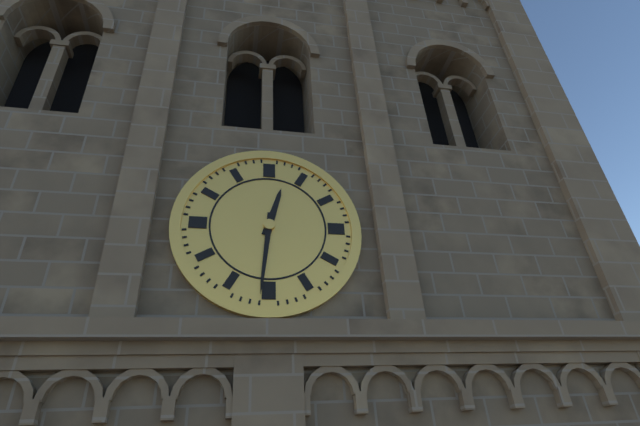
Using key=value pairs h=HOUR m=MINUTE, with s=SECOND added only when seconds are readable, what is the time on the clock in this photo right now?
h=12 m=31
